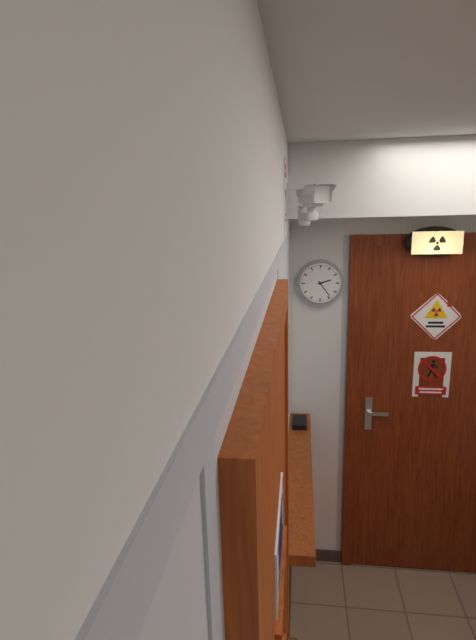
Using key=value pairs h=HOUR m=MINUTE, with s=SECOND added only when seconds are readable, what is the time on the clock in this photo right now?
h=2 m=24
